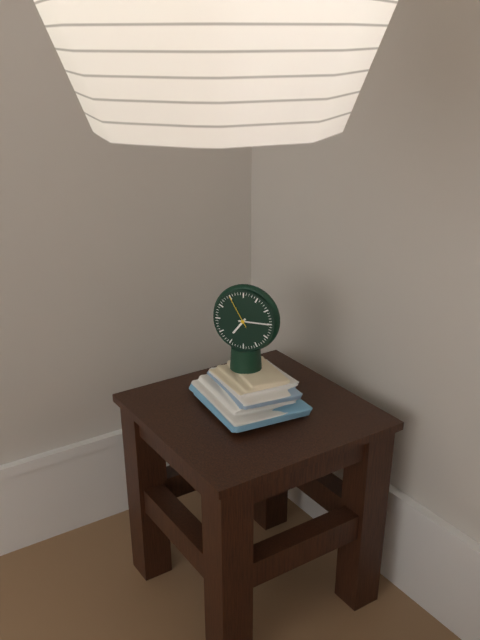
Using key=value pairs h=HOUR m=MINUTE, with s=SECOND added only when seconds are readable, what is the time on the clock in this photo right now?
h=7 m=15
